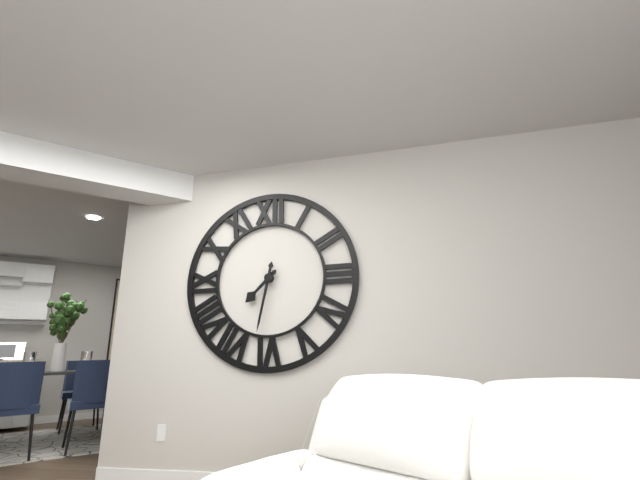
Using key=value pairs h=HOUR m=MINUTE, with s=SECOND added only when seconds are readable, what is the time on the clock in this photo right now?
h=7 m=32
